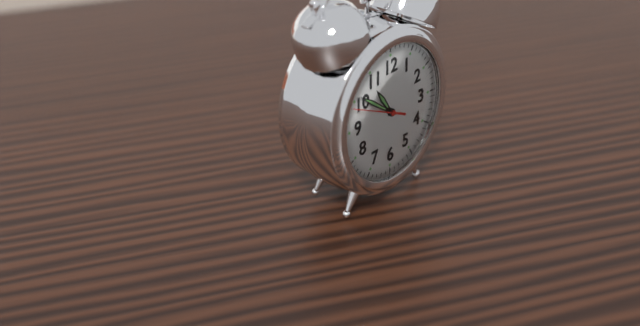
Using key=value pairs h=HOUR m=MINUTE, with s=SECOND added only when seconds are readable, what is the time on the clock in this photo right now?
h=10 m=51
